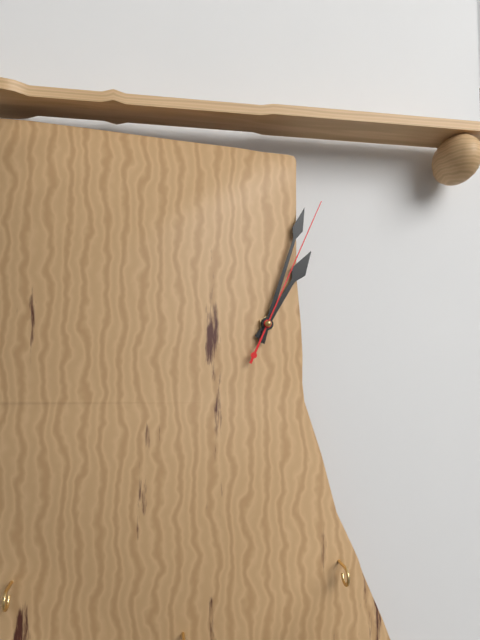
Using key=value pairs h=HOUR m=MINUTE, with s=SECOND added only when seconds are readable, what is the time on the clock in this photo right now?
h=1 m=3 s=4
